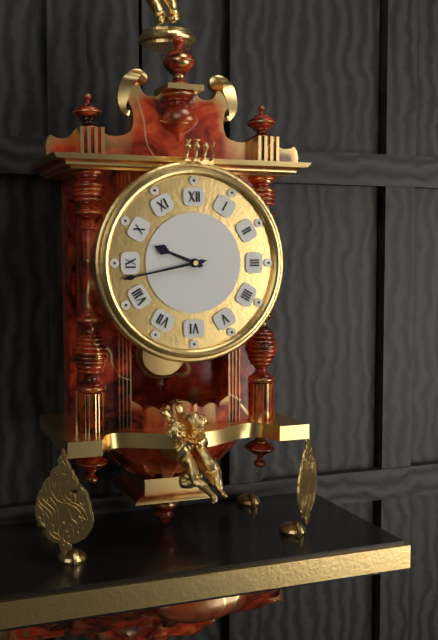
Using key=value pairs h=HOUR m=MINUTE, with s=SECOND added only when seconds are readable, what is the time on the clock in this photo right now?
h=9 m=43
